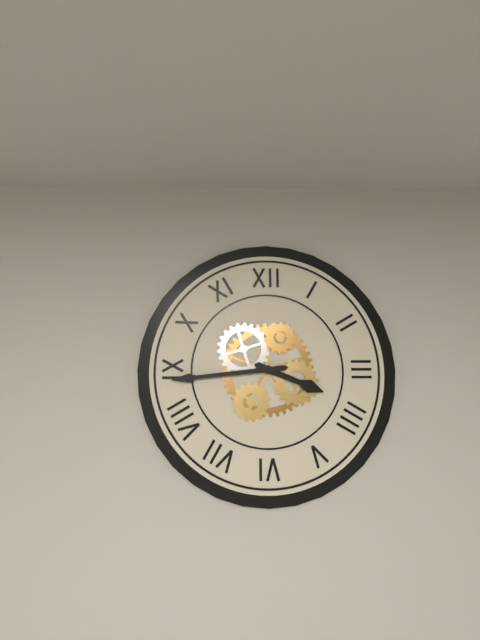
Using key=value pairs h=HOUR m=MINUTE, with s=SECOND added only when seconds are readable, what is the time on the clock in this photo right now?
h=3 m=44
